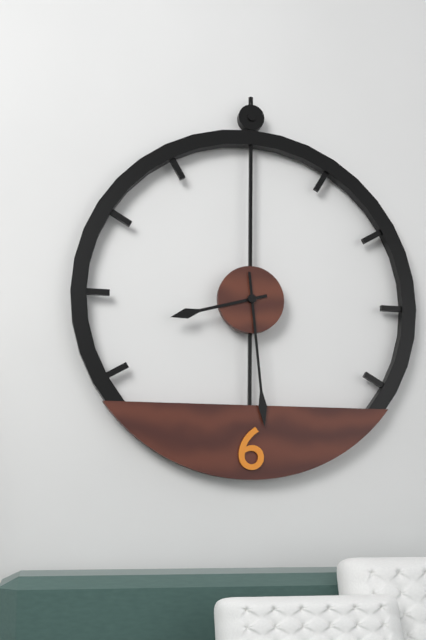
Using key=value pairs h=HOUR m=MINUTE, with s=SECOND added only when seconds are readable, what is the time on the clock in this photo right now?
h=8 m=29
